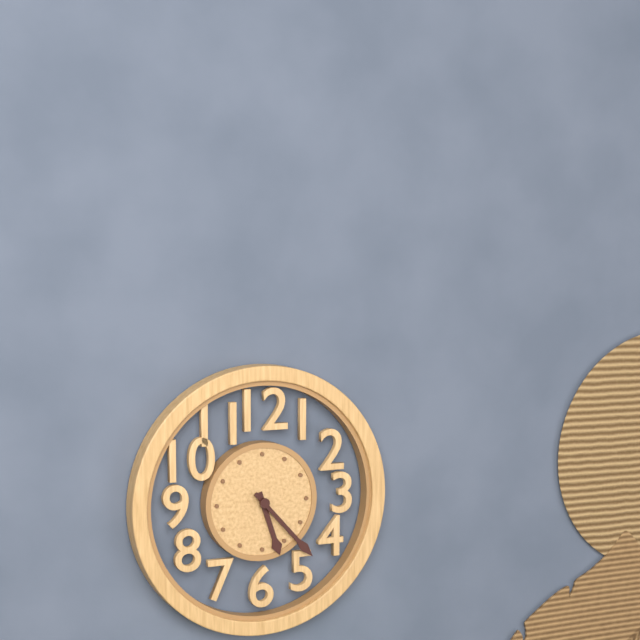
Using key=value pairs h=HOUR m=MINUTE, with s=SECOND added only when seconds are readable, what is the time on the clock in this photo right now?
h=5 m=23
